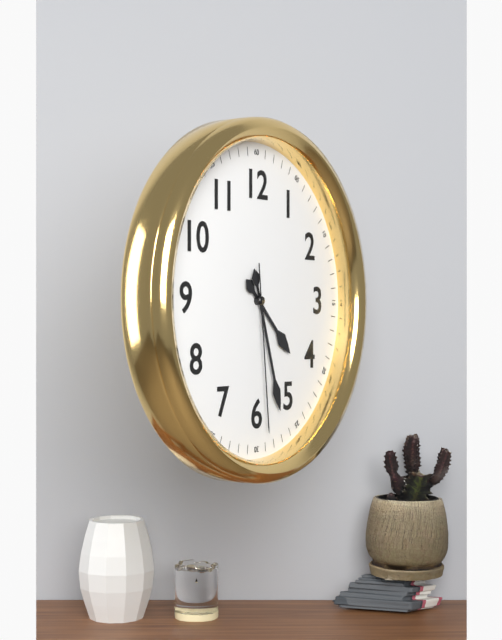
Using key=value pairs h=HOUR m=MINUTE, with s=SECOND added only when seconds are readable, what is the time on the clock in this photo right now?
h=4 m=27 s=29
